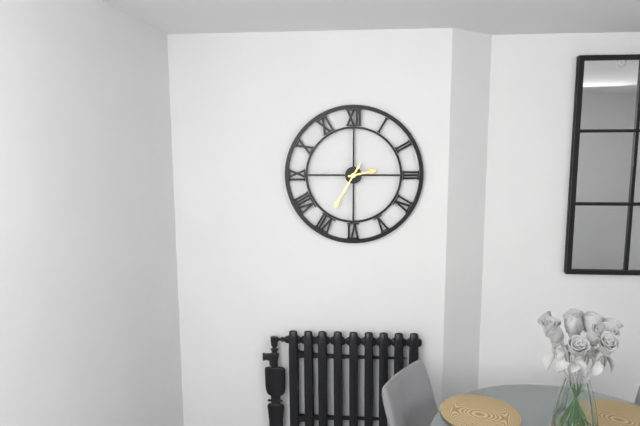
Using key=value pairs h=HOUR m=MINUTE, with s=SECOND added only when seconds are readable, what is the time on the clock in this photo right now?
h=2 m=35
